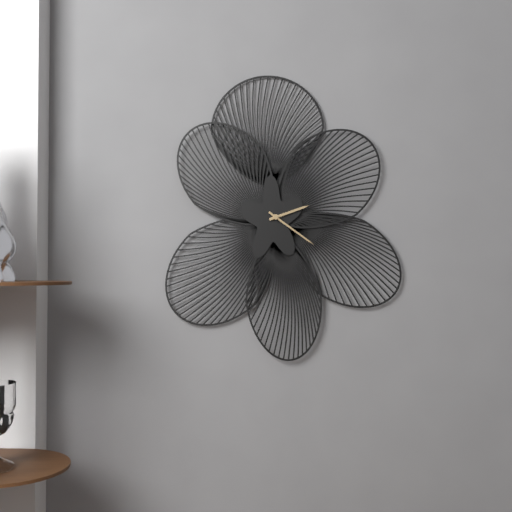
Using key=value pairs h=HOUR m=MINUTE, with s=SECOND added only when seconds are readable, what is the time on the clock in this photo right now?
h=2 m=21
